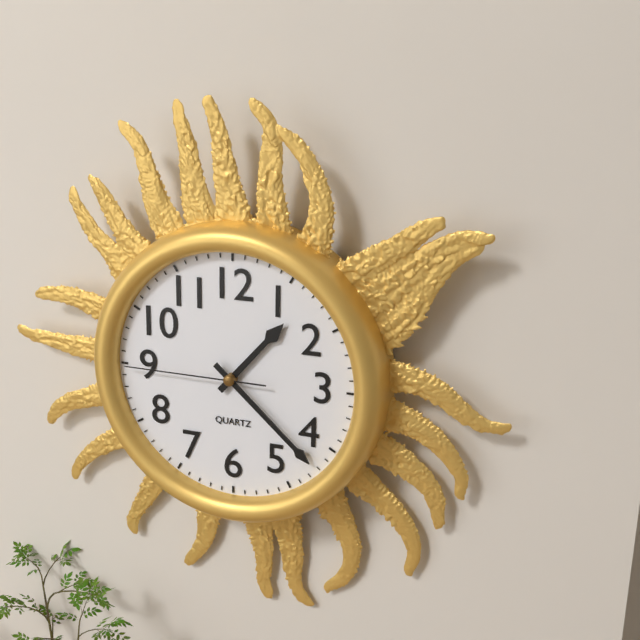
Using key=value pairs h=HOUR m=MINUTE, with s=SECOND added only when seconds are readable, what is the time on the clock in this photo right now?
h=1 m=22 s=45
